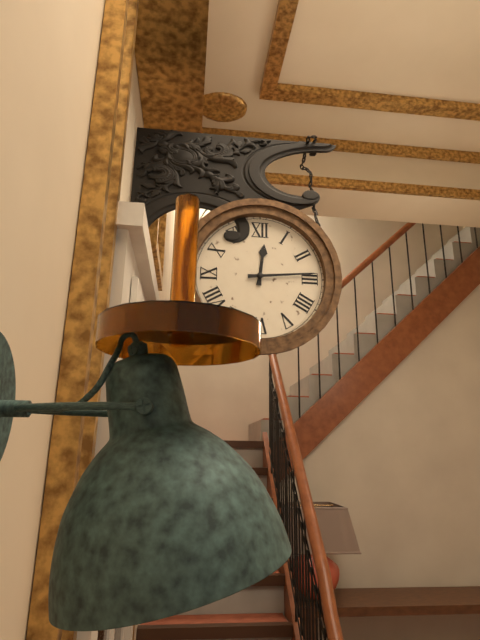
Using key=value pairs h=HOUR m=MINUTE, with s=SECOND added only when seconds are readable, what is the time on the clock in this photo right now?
h=12 m=14
